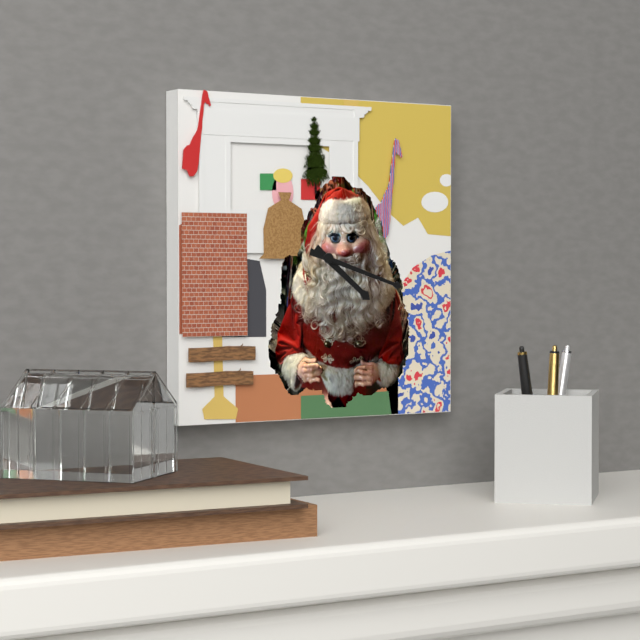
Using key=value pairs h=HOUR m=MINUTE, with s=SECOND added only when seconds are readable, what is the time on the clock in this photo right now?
h=4 m=18
